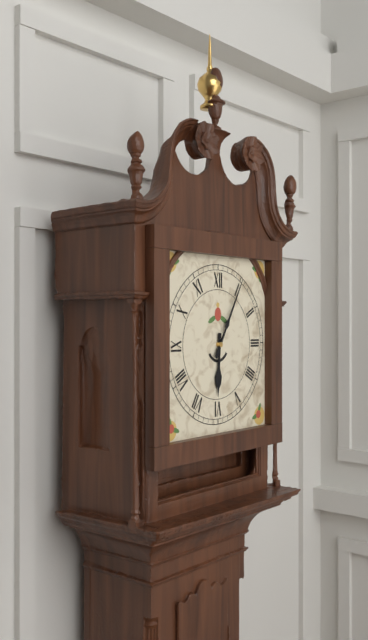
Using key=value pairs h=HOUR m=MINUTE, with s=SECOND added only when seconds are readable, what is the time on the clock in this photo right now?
h=6 m=5
